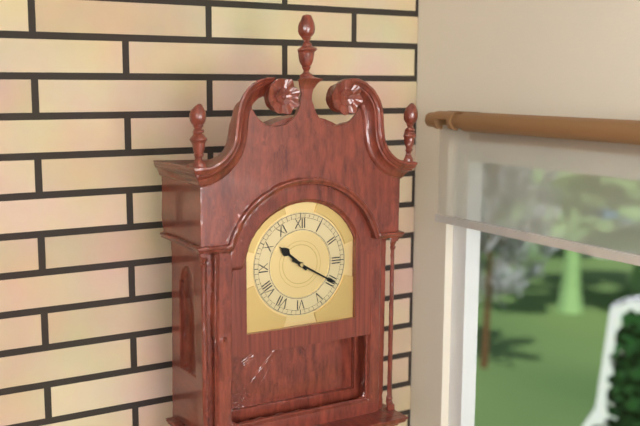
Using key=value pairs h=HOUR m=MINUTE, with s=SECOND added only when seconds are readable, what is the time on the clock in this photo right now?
h=10 m=20
